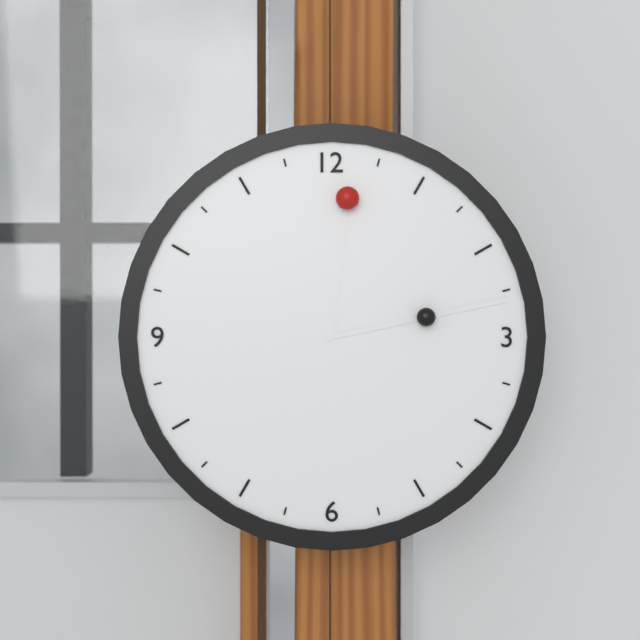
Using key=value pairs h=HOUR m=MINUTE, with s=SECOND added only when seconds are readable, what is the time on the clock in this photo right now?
h=12 m=13
